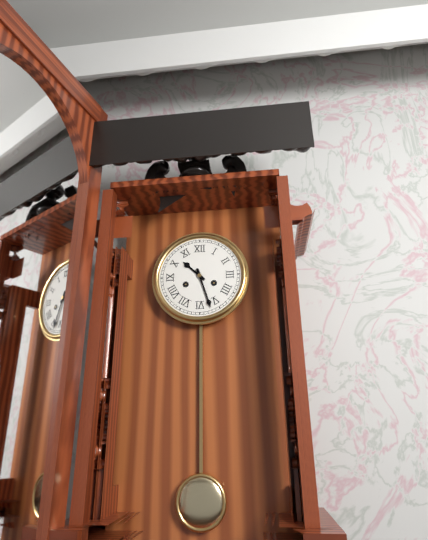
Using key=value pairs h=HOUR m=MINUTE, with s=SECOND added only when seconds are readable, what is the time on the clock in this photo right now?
h=10 m=27
